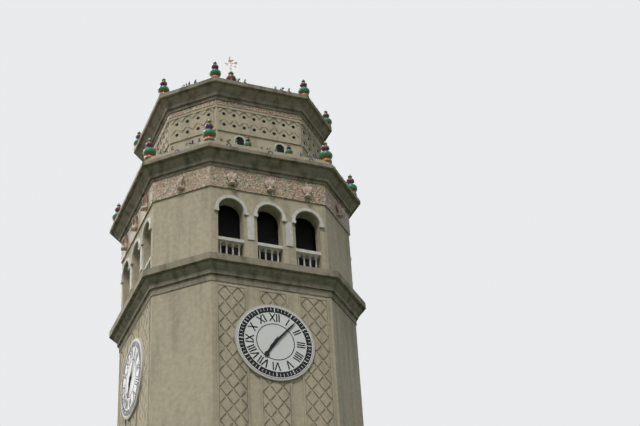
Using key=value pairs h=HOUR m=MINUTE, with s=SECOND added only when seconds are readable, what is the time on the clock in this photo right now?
h=7 m=7
